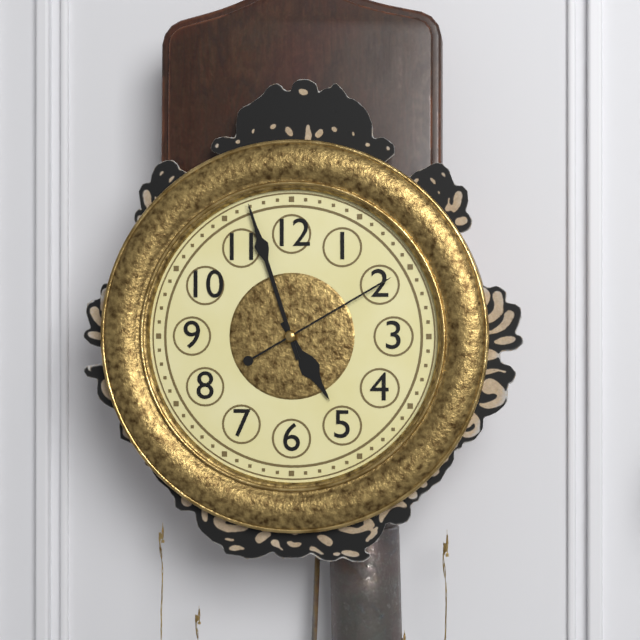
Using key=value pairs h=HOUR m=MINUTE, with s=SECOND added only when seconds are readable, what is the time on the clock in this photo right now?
h=4 m=57 s=10
